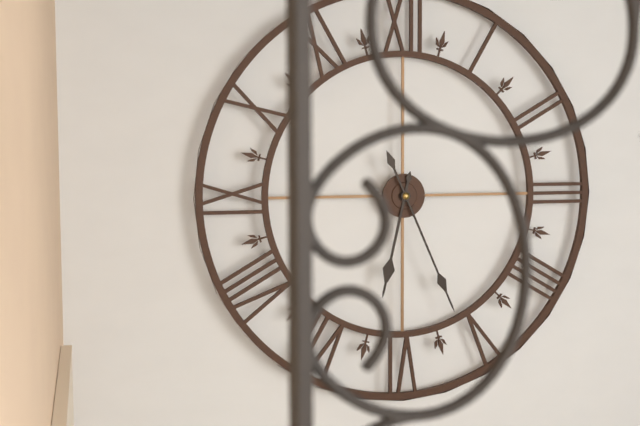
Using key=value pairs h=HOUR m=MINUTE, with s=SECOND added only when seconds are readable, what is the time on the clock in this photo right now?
h=6 m=26
